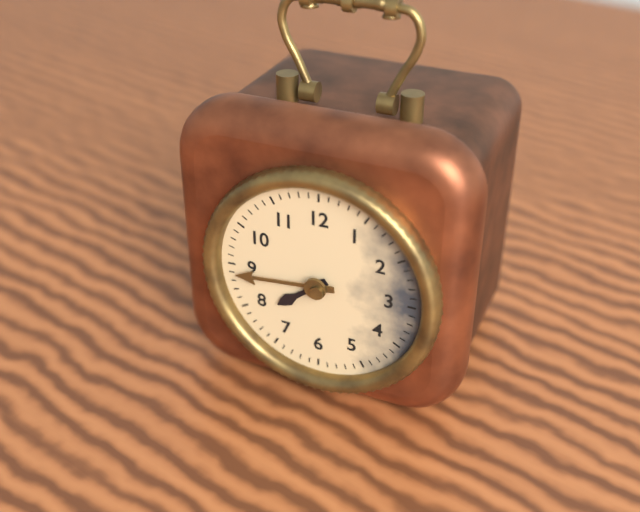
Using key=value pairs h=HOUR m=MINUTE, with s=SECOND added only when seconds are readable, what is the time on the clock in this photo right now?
h=7 m=44
